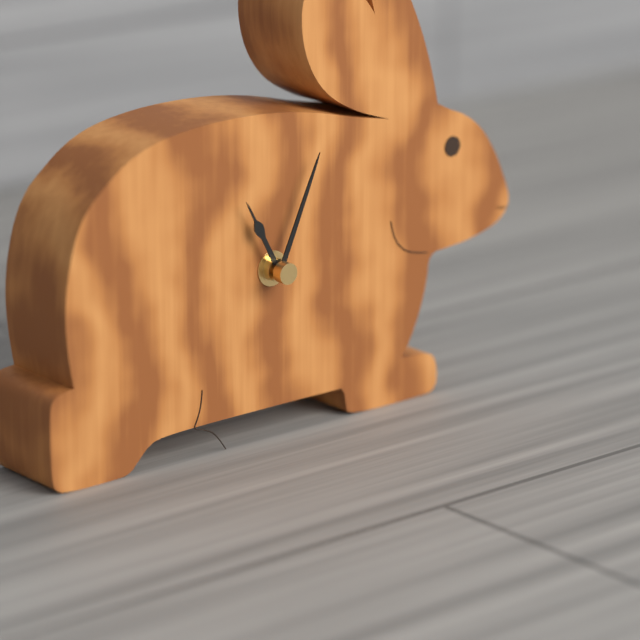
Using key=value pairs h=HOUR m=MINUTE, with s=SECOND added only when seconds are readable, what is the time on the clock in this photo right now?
h=11 m=4
